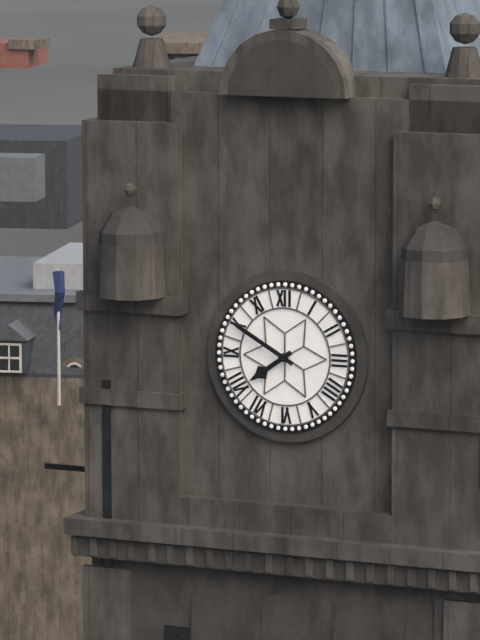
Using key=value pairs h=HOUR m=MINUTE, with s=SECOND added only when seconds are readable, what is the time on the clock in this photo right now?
h=7 m=50
